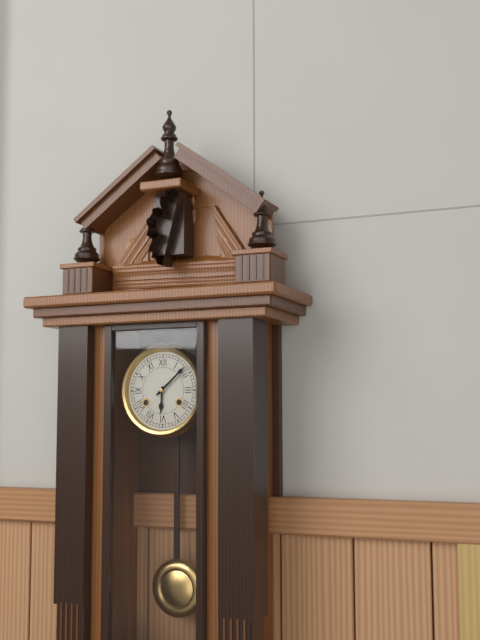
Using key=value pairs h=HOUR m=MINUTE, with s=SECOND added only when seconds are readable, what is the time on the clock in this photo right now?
h=6 m=8
